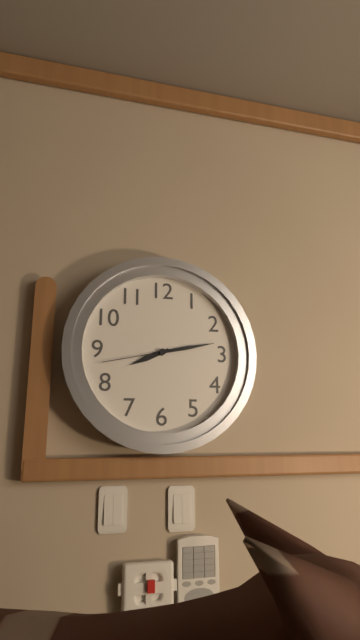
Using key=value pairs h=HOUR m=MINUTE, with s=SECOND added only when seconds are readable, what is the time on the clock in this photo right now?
h=8 m=13 s=43
